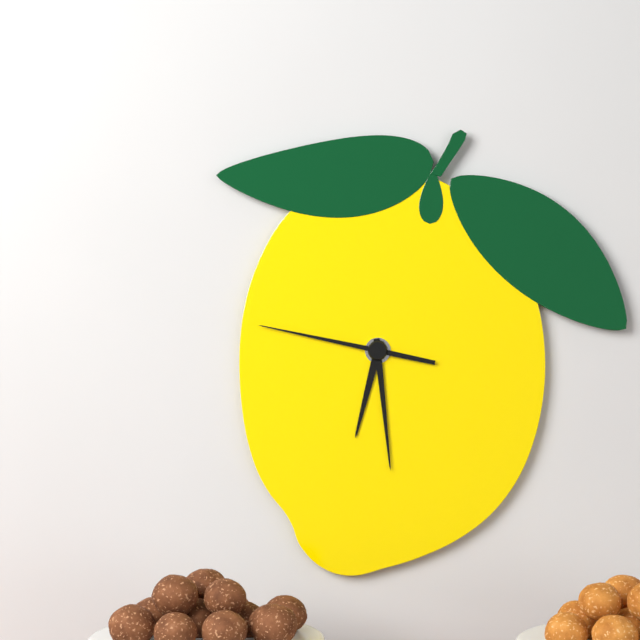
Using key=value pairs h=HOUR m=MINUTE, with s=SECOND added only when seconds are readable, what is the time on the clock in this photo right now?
h=6 m=29 s=47
